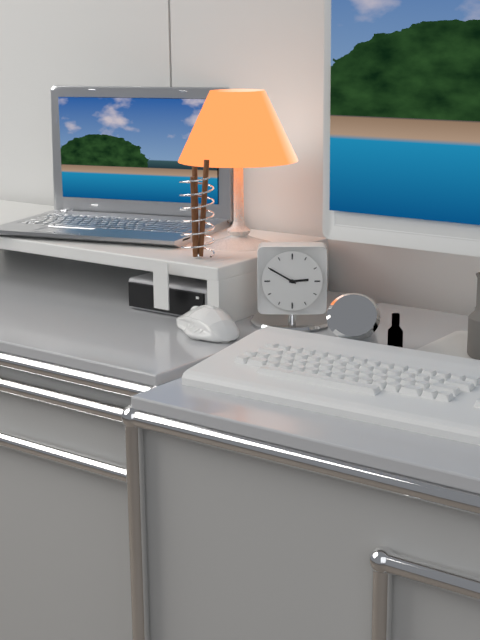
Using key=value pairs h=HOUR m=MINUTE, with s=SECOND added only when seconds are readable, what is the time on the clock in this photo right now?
h=2 m=50
